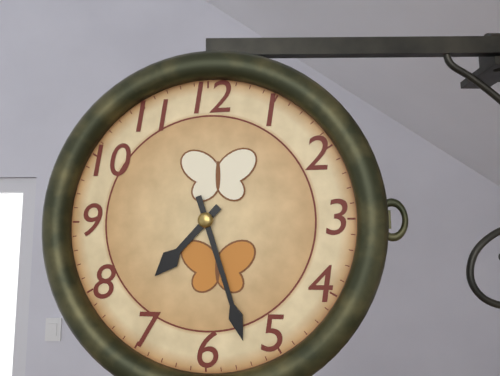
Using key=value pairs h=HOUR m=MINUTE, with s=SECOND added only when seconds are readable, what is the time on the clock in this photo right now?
h=7 m=27
